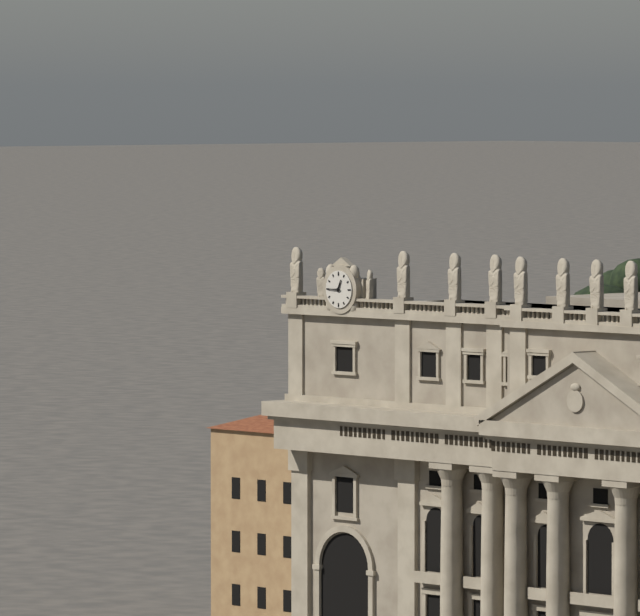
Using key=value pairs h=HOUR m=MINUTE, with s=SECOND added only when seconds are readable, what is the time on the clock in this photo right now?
h=12 m=45
